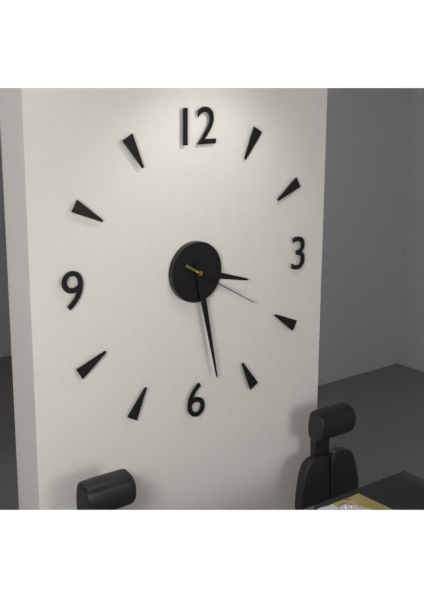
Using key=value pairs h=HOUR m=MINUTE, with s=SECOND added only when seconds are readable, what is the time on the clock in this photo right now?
h=3 m=28 s=20
